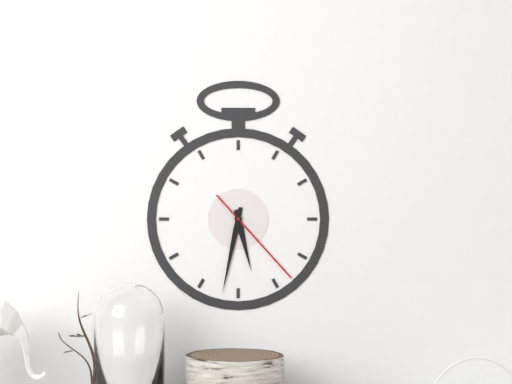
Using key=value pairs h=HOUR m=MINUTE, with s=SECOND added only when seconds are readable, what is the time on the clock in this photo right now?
h=5 m=32 s=23
